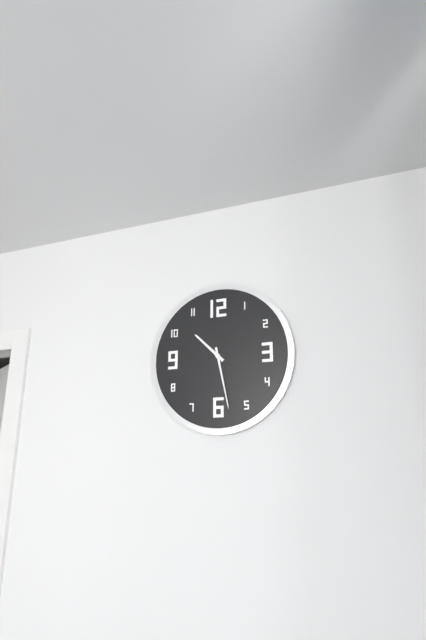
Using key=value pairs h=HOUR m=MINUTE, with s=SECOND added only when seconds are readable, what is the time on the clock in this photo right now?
h=10 m=28
